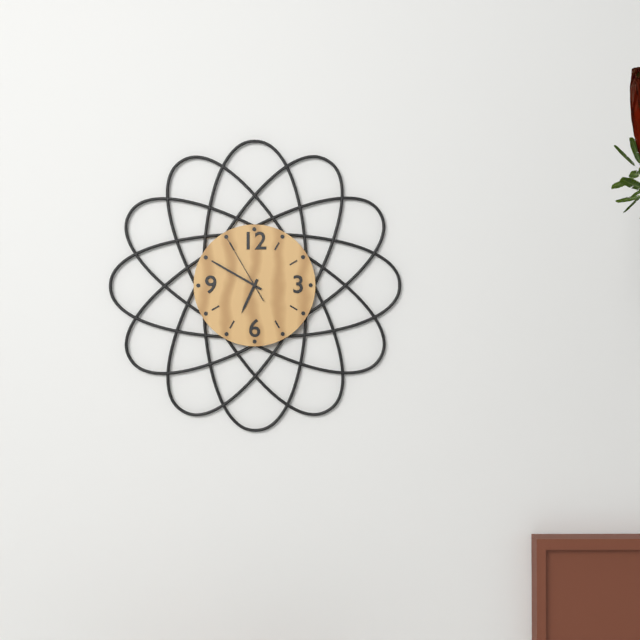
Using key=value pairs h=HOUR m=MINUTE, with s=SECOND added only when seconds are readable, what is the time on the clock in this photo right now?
h=6 m=50 s=55
